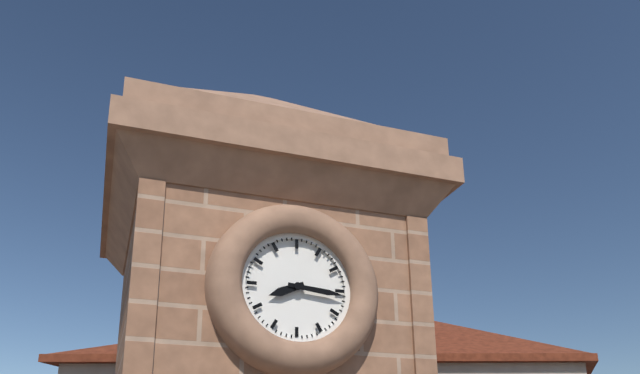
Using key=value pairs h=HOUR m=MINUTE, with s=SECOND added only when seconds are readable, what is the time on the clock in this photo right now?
h=8 m=16
